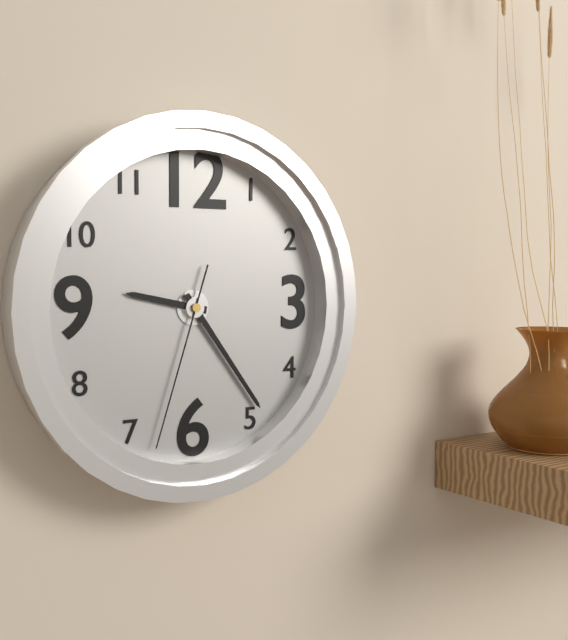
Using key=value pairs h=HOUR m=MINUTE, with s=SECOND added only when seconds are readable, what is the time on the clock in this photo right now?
h=9 m=24 s=33
